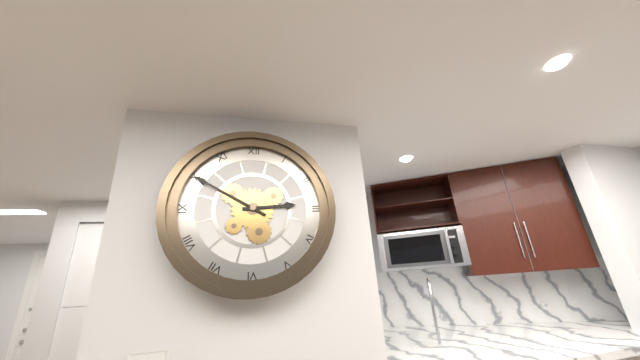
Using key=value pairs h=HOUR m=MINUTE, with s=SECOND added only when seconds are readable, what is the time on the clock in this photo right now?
h=2 m=50
